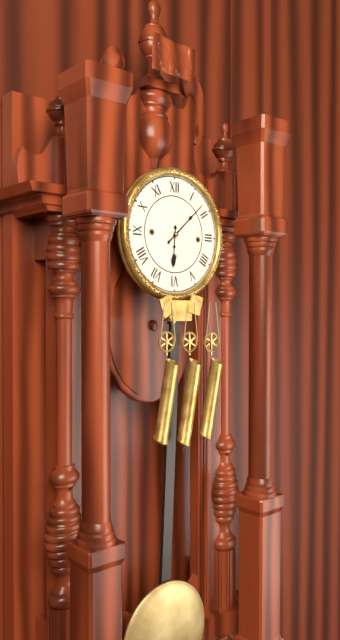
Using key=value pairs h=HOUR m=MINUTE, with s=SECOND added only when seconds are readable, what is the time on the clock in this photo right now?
h=6 m=8
